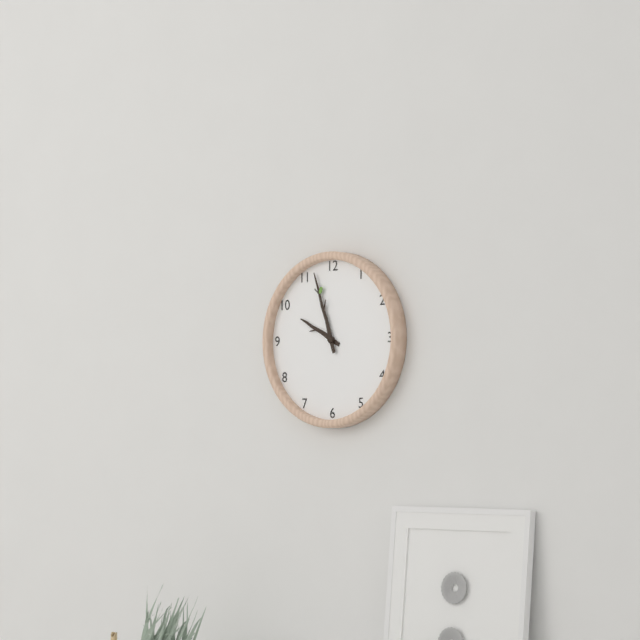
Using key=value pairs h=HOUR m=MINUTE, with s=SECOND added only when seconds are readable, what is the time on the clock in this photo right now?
h=9 m=57
